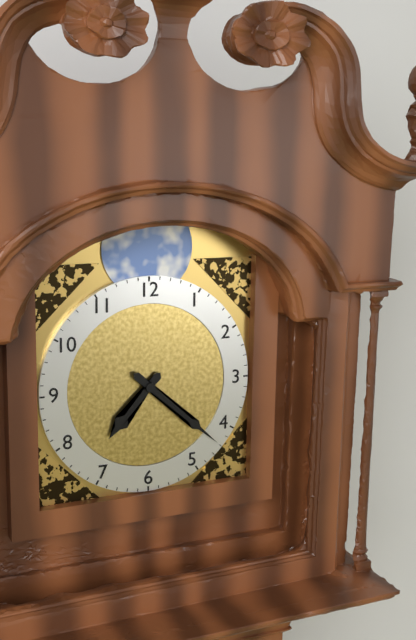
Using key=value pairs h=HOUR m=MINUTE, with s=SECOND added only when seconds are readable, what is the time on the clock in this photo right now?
h=7 m=22
